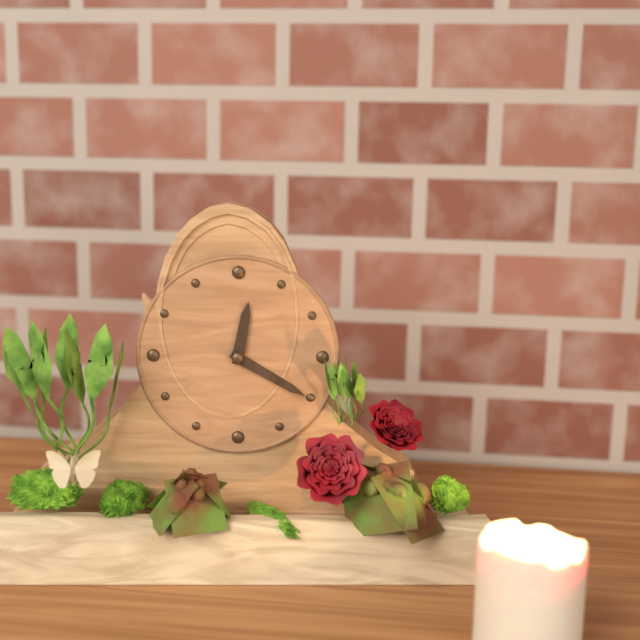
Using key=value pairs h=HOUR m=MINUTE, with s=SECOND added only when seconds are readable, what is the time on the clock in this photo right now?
h=12 m=20
